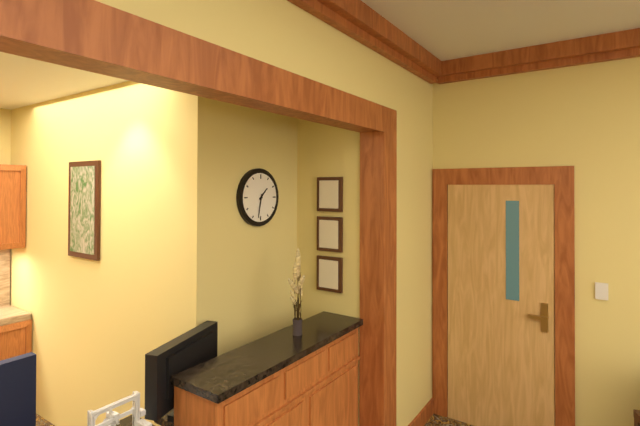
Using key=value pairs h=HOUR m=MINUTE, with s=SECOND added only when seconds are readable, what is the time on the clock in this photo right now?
h=1 m=32
